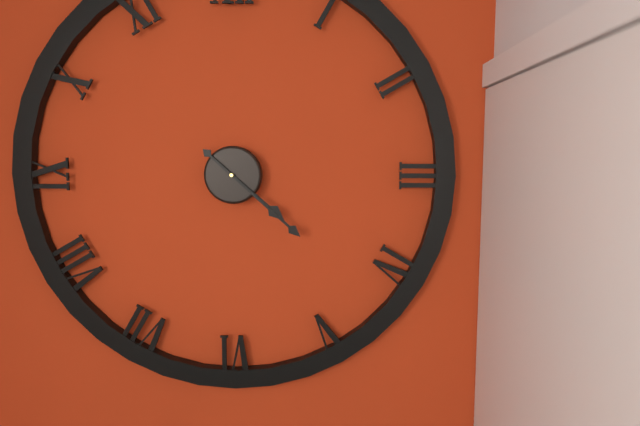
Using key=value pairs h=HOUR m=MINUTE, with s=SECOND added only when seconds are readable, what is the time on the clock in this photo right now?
h=4 m=22
